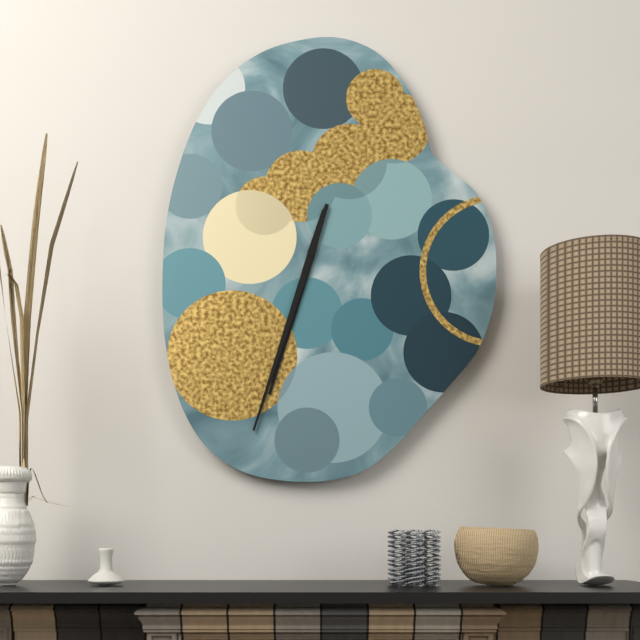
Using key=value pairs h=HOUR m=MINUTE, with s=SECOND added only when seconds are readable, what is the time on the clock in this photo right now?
h=6 m=33
